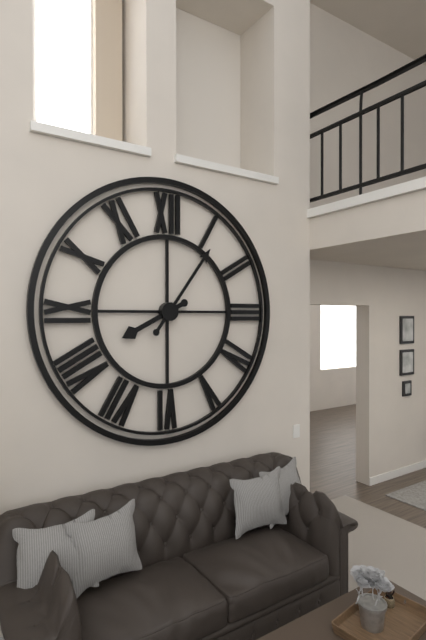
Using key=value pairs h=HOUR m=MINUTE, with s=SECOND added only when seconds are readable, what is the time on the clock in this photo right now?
h=8 m=6
